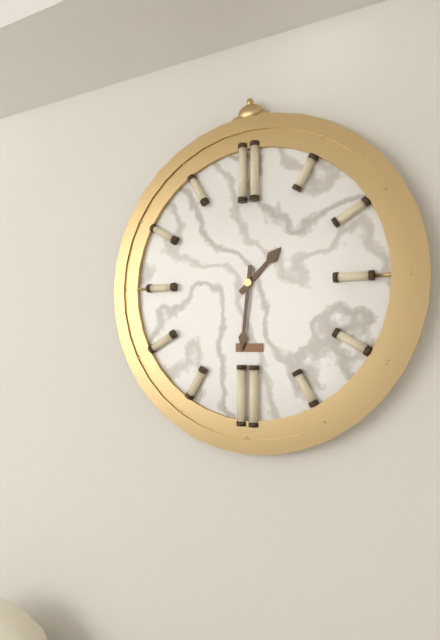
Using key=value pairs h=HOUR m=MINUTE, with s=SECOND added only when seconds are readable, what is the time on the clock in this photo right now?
h=1 m=31
